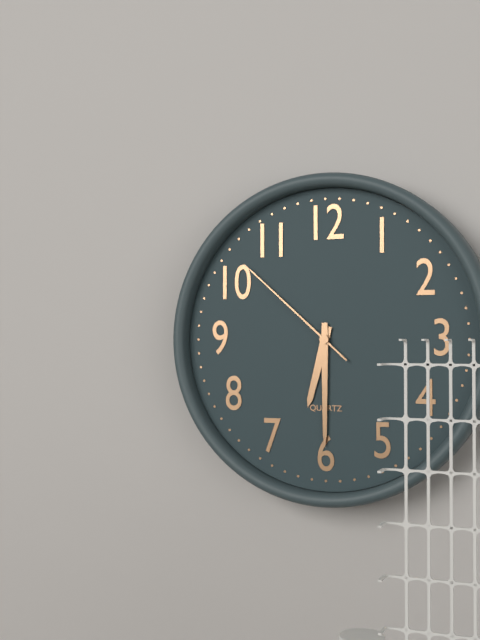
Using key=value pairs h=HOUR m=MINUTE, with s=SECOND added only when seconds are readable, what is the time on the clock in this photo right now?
h=6 m=30 s=52
